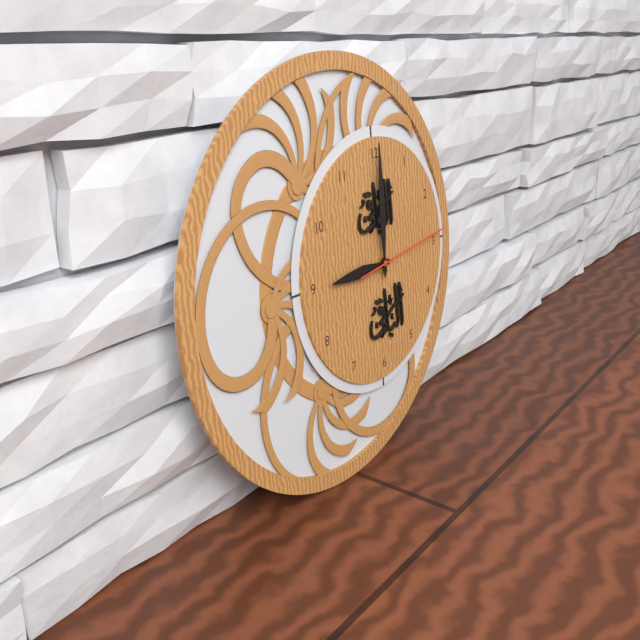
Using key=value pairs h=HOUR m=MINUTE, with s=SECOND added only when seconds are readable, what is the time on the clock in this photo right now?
h=9 m=0 s=14
